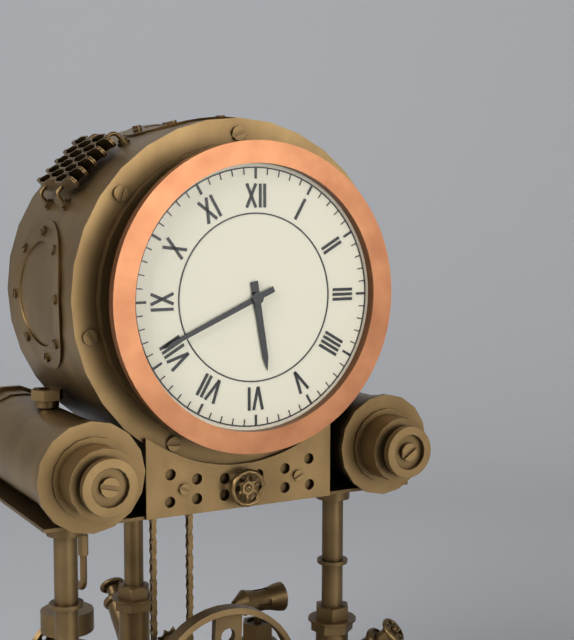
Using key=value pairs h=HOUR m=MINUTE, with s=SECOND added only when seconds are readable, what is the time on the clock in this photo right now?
h=5 m=41
